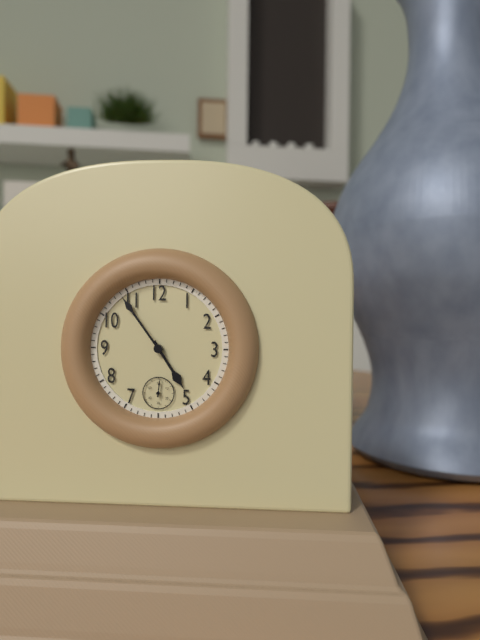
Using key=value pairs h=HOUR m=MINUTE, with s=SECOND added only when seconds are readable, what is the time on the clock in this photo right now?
h=4 m=54
